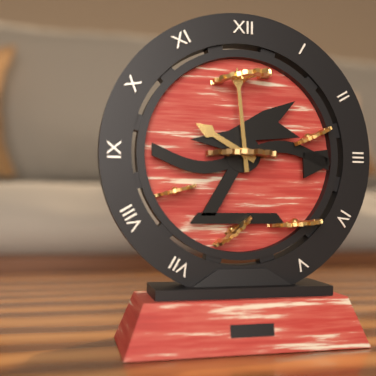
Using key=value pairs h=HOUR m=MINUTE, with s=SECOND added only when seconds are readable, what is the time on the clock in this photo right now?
h=9 m=59
